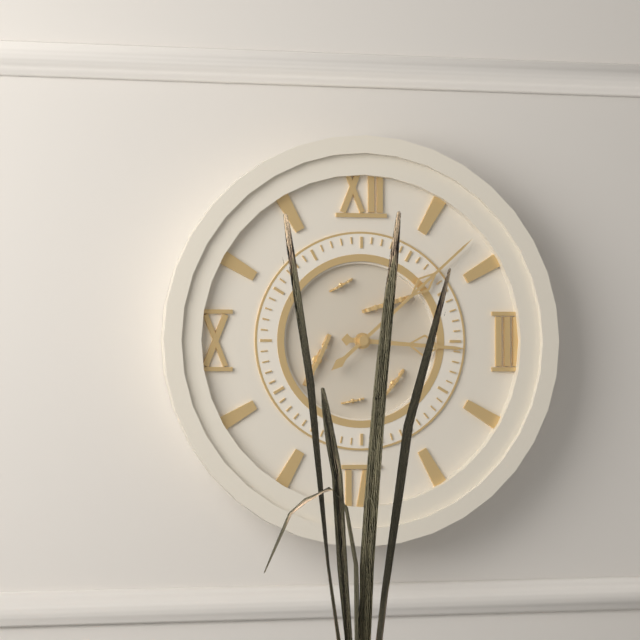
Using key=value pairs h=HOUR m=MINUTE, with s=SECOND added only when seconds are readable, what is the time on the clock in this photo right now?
h=3 m=8
